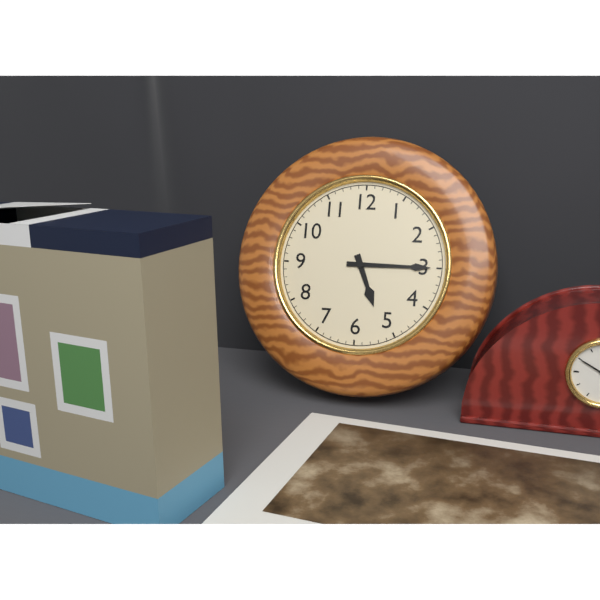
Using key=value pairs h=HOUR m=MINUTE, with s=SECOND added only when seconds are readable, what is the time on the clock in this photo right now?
h=5 m=15
